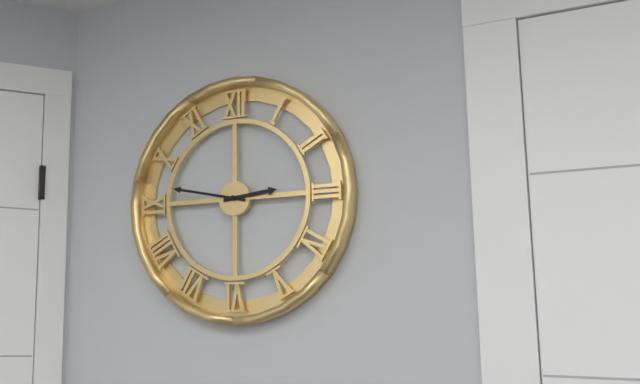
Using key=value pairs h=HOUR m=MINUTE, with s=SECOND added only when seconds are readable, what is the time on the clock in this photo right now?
h=2 m=47
